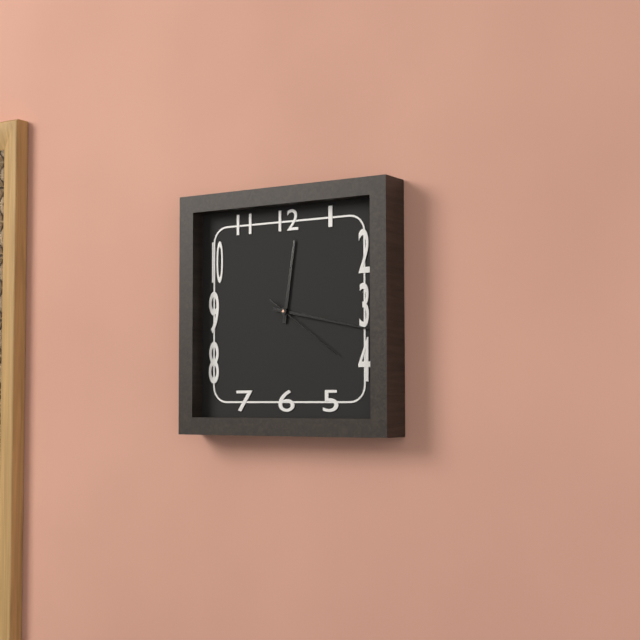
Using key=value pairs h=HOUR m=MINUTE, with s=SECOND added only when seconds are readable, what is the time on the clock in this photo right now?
h=12 m=17 s=21
